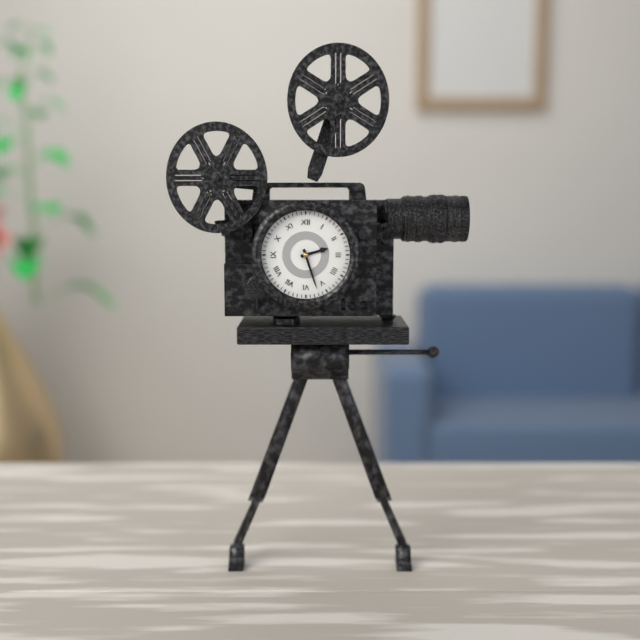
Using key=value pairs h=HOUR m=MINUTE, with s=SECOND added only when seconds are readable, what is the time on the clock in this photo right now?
h=2 m=27
